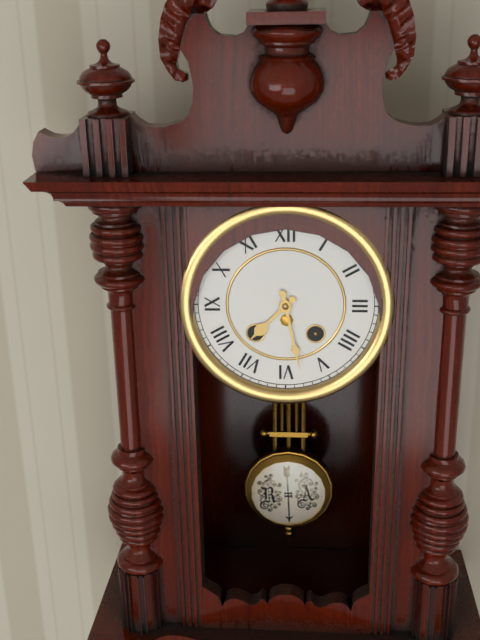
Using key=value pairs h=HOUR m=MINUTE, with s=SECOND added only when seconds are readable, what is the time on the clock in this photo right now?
h=7 m=28
